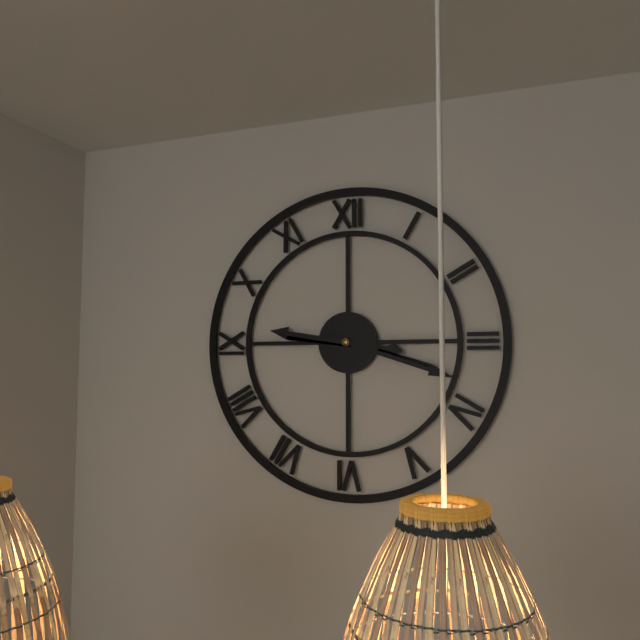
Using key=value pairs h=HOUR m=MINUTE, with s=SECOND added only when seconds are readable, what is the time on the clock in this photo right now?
h=9 m=18
